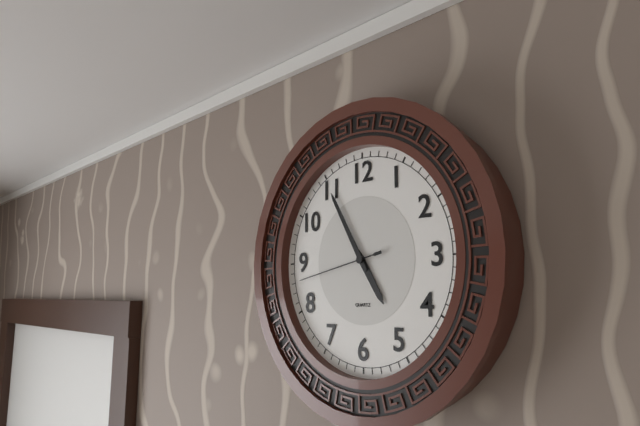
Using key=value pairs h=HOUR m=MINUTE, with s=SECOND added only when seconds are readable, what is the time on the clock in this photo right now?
h=4 m=55 s=43
